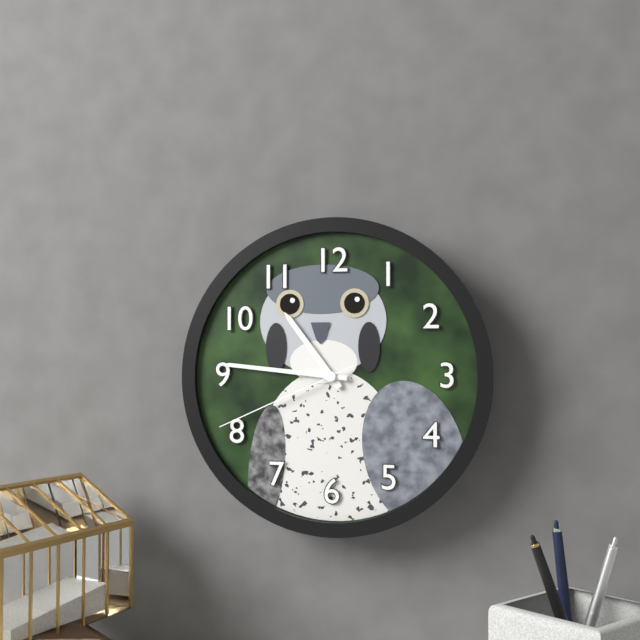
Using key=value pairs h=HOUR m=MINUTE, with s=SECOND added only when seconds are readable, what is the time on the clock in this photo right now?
h=10 m=46 s=41
